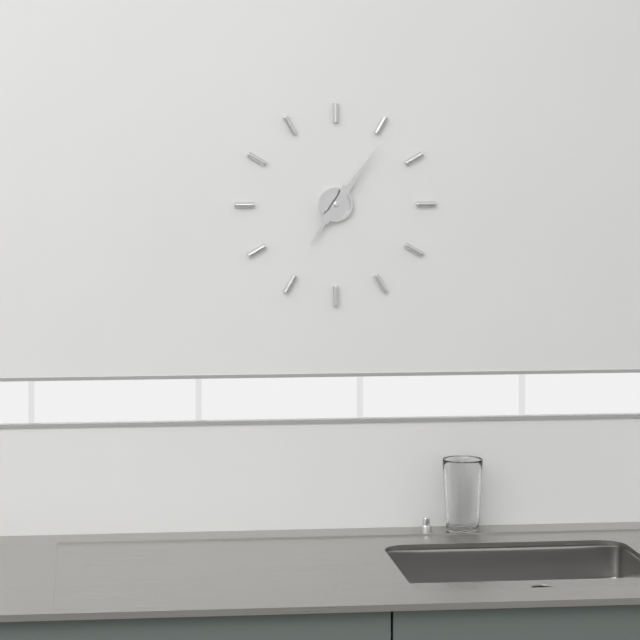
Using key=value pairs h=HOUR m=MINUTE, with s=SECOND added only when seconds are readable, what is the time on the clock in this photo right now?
h=7 m=6
